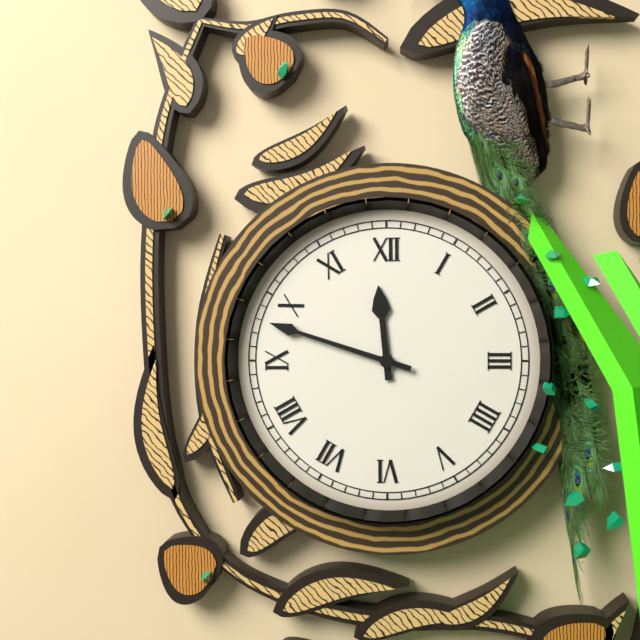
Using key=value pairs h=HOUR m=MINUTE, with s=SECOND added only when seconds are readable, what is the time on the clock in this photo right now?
h=11 m=48
